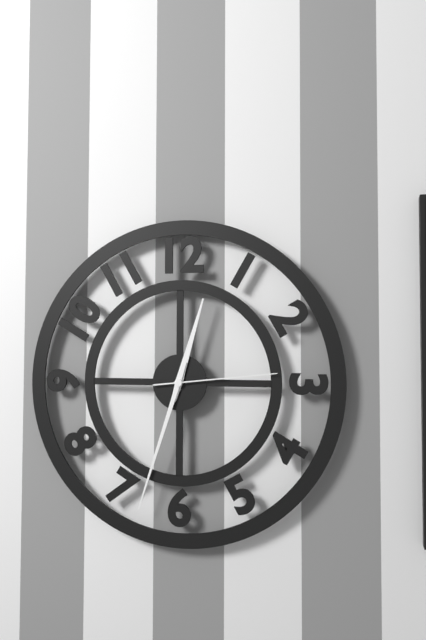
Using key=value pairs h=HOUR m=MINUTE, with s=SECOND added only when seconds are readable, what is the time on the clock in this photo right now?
h=12 m=33 s=14
